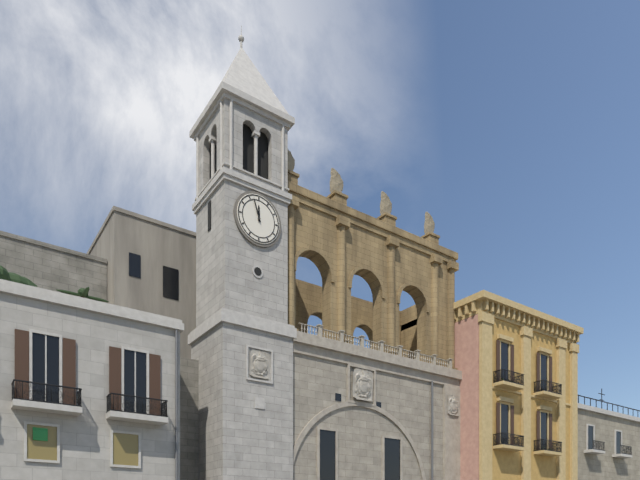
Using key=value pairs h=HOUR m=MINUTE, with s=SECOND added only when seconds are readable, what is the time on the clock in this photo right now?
h=11 m=57
